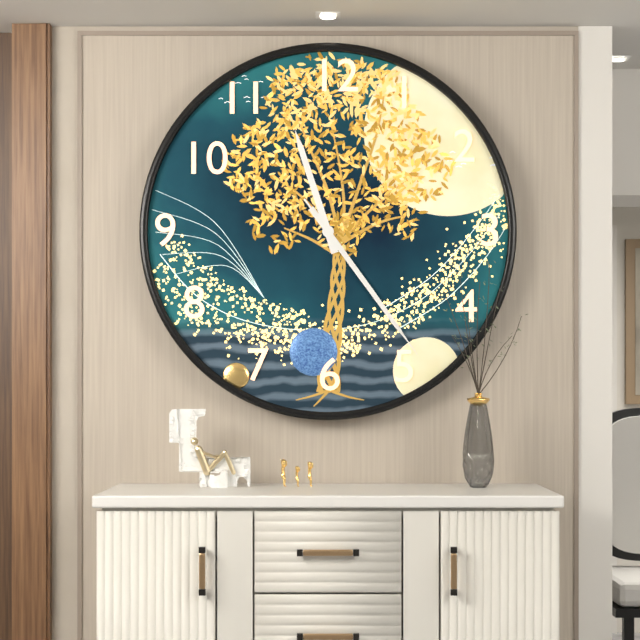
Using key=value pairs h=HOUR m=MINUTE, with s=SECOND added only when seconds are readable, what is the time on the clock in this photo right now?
h=11 m=24 s=24
